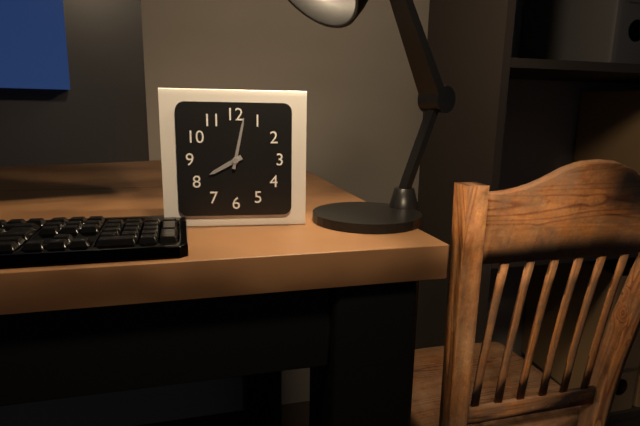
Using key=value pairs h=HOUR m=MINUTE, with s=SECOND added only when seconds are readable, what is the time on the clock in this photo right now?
h=8 m=2
